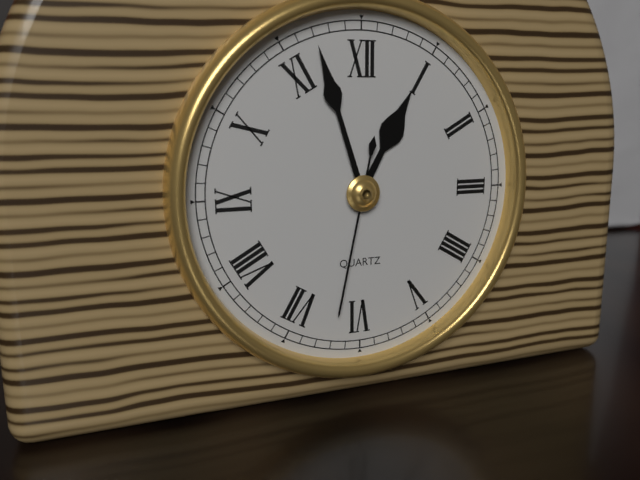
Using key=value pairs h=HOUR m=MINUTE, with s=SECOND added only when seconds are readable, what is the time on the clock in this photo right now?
h=12 m=57 s=32
